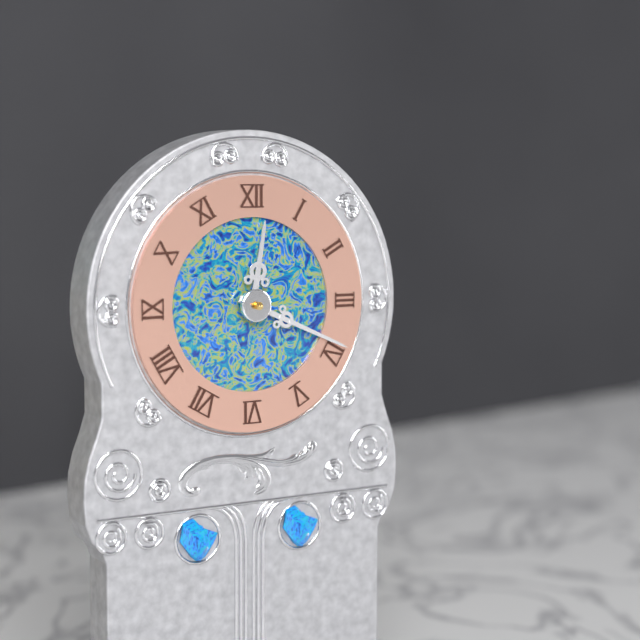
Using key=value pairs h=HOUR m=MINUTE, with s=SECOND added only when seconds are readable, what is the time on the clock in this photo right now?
h=12 m=19
